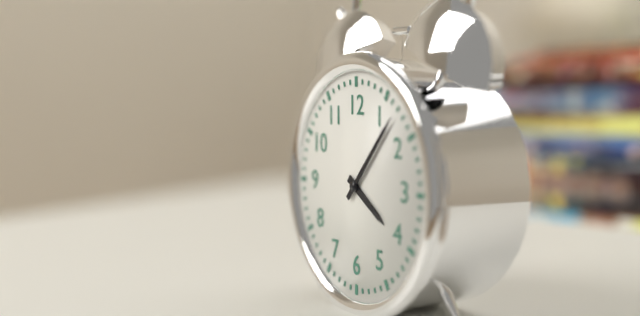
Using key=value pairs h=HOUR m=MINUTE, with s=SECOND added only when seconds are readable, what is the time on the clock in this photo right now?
h=4 m=7
